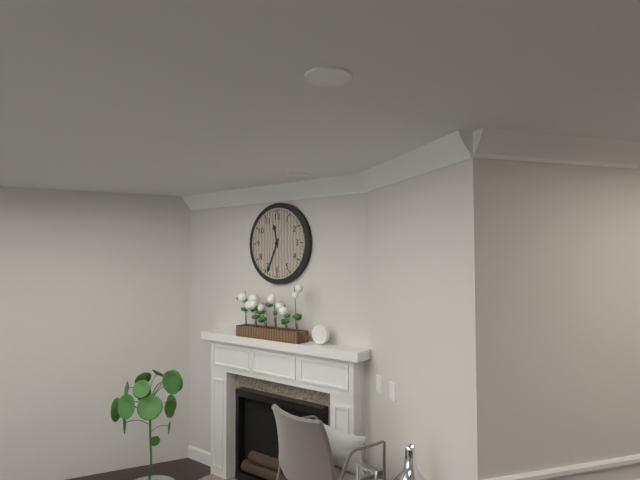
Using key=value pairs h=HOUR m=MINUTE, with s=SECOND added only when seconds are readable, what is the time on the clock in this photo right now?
h=11 m=34
